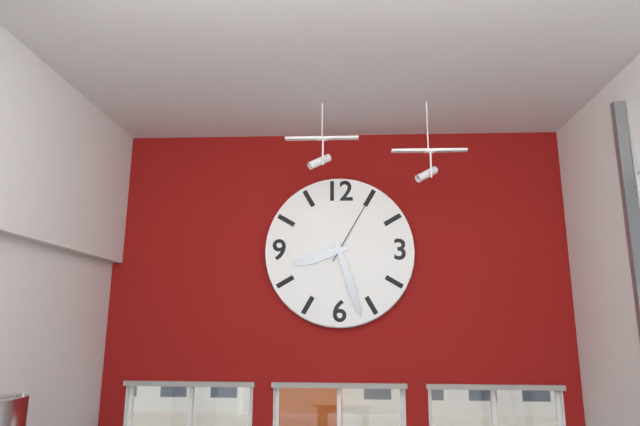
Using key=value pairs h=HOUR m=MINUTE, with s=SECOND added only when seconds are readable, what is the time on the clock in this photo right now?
h=8 m=27 s=5
